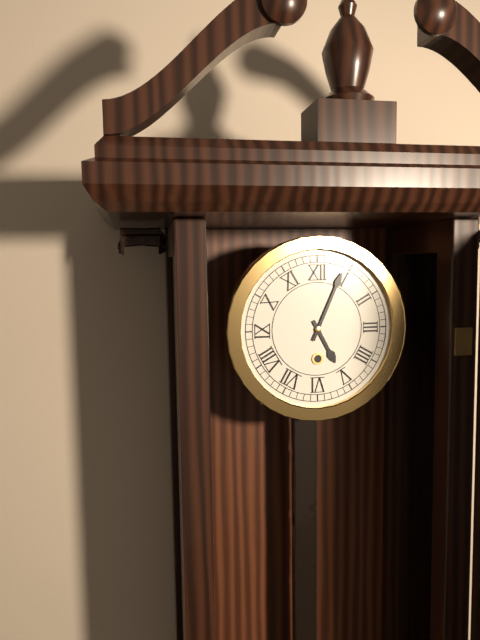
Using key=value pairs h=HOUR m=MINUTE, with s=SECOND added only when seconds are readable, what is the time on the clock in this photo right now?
h=5 m=4
